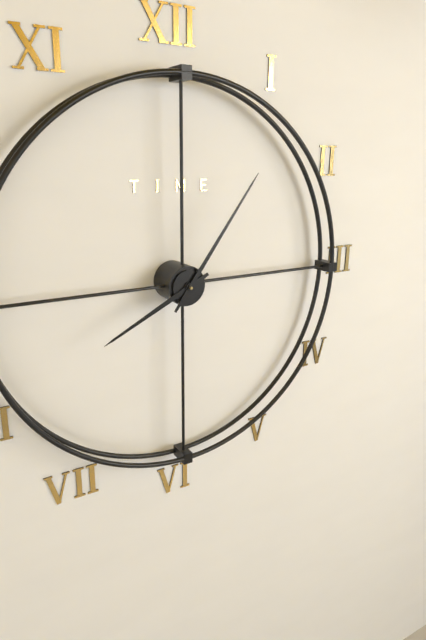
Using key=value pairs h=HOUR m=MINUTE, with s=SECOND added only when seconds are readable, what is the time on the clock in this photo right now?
h=8 m=6
